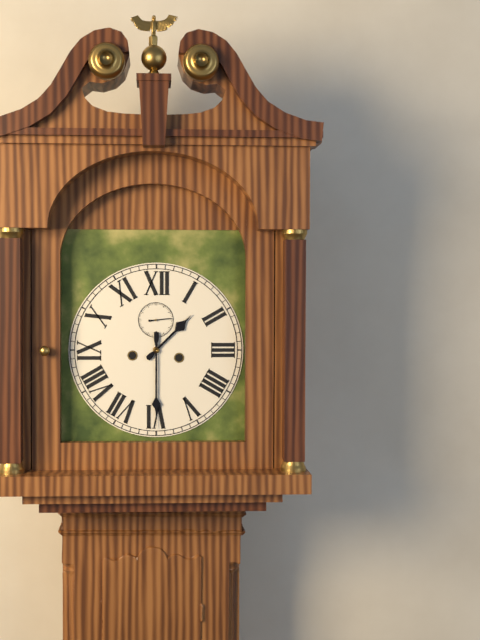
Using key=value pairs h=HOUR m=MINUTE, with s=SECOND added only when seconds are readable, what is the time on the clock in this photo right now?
h=1 m=30
